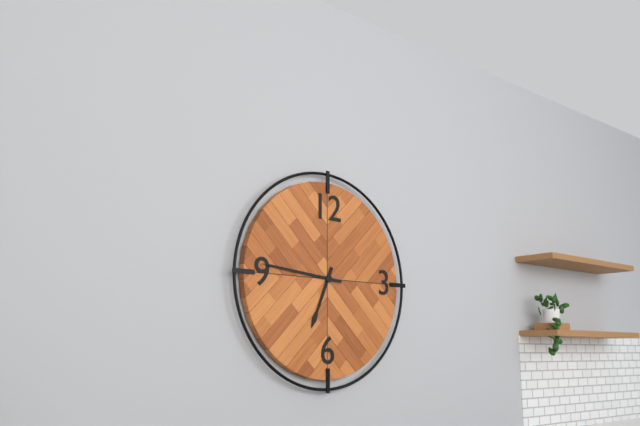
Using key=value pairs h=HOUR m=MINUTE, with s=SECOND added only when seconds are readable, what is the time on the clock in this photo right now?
h=6 m=46
